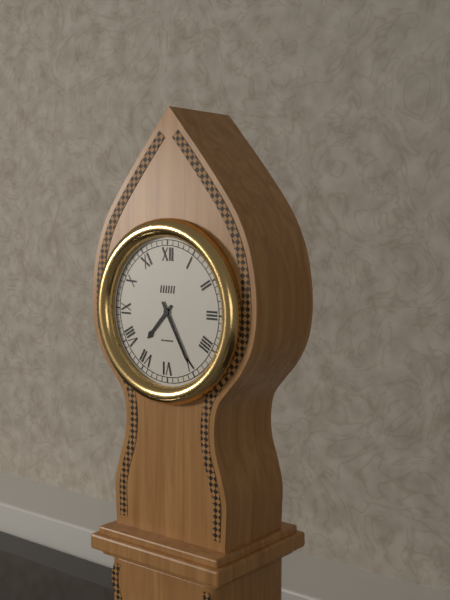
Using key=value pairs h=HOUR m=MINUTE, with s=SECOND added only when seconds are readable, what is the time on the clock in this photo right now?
h=7 m=25
